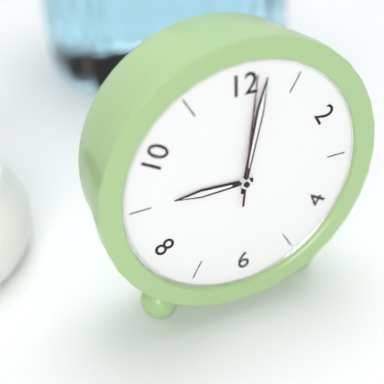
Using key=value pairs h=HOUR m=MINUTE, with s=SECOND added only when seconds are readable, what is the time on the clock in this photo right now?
h=9 m=2 s=1
